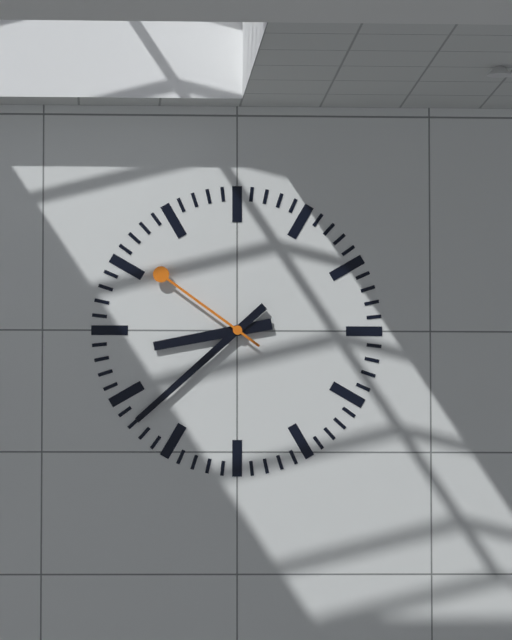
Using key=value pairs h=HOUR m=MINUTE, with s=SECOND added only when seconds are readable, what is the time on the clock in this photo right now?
h=8 m=38 s=51
